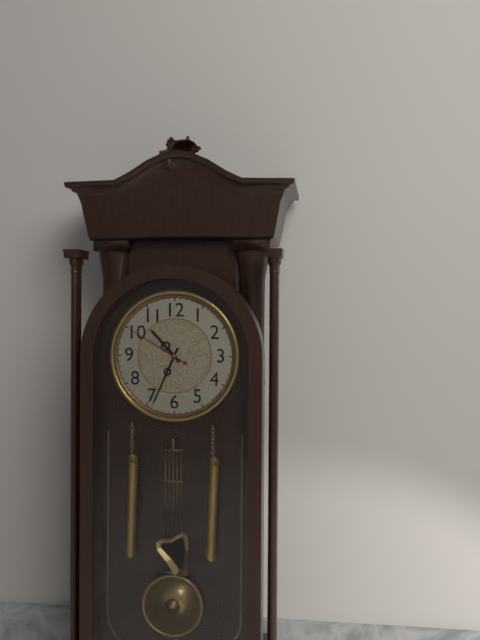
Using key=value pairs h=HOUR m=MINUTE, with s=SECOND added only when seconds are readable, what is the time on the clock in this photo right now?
h=10 m=34 s=50
